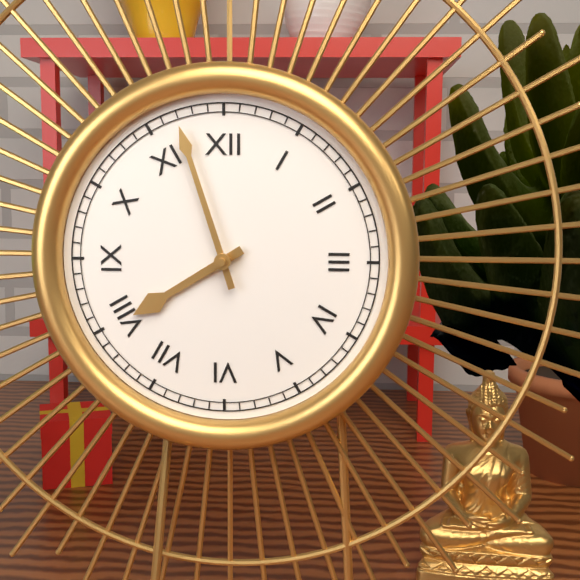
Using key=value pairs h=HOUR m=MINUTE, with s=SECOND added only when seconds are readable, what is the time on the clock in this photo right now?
h=7 m=57
